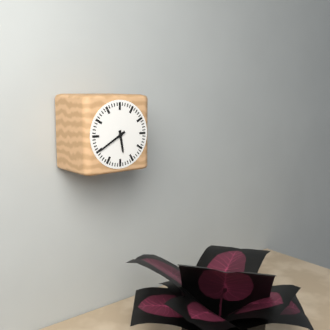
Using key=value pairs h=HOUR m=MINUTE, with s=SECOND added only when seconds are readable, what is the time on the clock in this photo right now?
h=5 m=40
